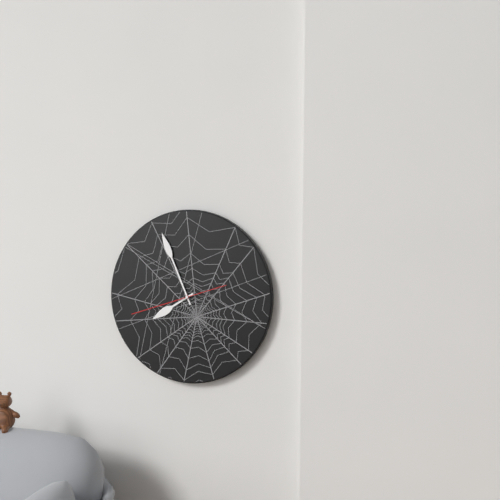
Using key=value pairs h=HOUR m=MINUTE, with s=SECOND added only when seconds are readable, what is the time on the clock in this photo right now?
h=7 m=56 s=42
